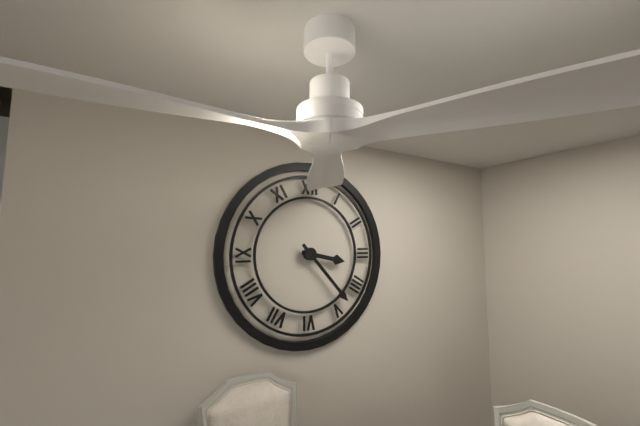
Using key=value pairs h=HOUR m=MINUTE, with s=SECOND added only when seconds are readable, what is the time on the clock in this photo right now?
h=3 m=23
